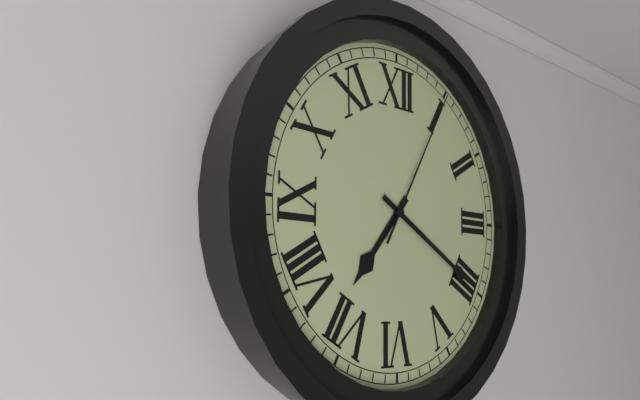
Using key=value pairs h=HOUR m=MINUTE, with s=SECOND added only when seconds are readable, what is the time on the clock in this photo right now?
h=7 m=20 s=5
